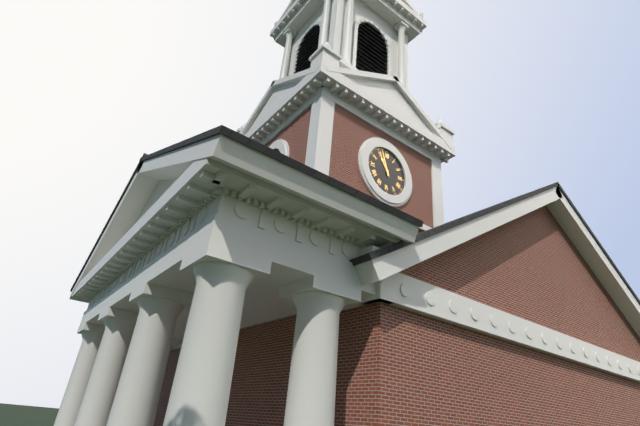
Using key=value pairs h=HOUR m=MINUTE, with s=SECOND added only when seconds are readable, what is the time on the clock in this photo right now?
h=10 m=57
